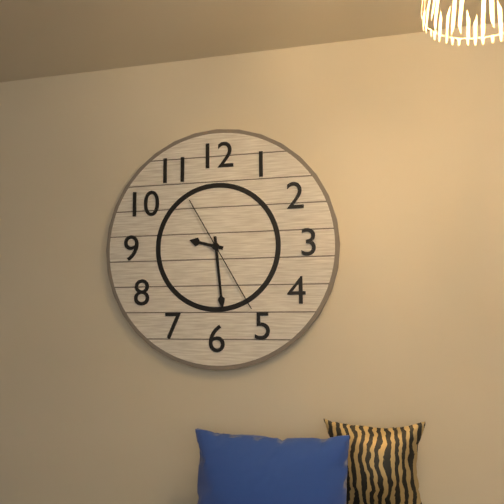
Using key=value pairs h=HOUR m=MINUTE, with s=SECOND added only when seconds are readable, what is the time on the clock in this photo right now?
h=9 m=29 s=25
